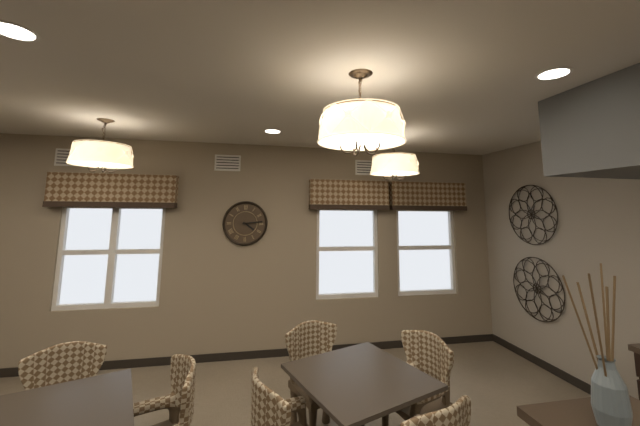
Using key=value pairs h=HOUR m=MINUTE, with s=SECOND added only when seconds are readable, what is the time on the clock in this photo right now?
h=4 m=14
